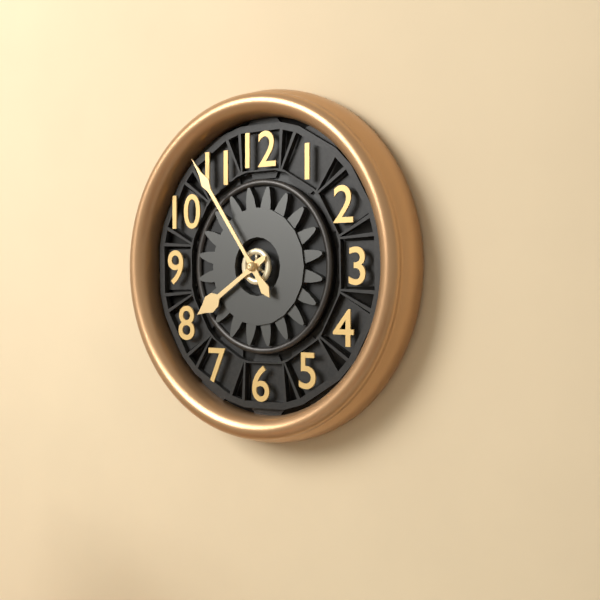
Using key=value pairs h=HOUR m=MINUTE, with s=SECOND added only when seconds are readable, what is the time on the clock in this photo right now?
h=7 m=54
